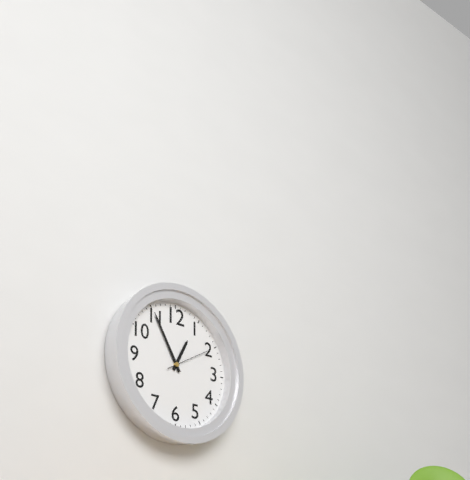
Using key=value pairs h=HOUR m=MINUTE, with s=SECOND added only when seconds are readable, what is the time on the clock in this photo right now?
h=12 m=55
